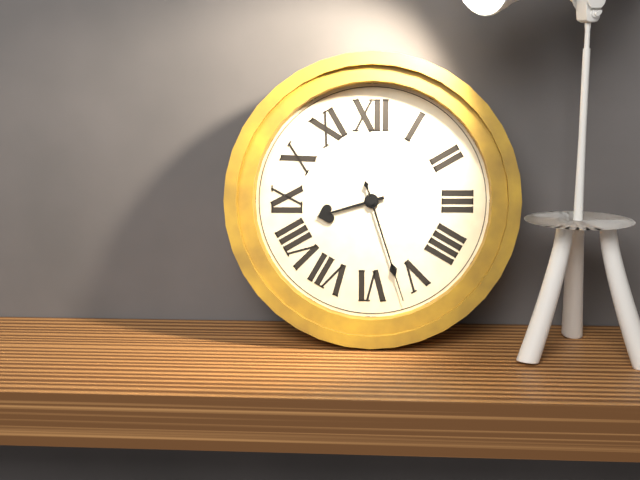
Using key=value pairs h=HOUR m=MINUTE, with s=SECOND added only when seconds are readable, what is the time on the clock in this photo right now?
h=8 m=27
